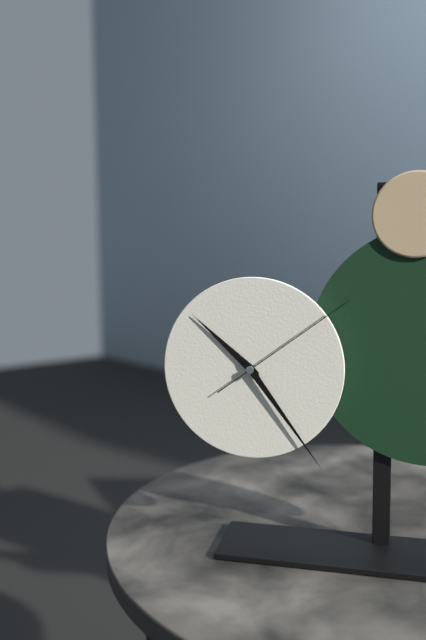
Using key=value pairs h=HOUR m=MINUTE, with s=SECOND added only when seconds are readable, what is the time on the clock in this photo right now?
h=10 m=24 s=9
